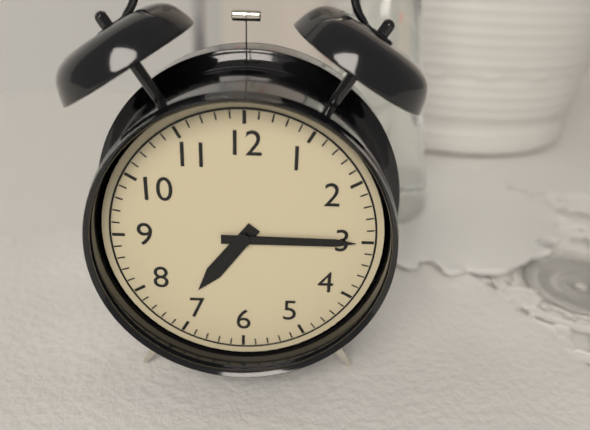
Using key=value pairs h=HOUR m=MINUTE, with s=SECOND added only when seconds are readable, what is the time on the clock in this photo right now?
h=7 m=15
